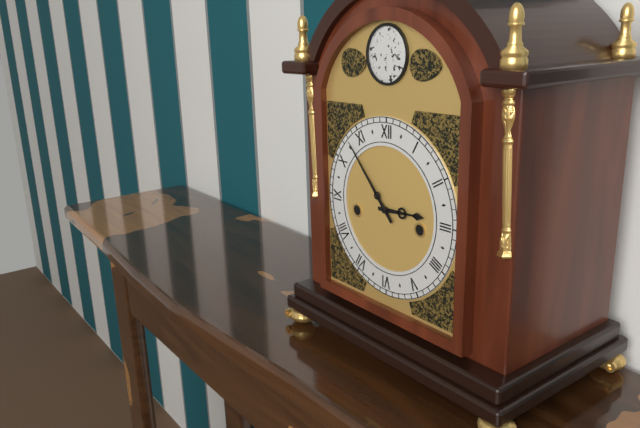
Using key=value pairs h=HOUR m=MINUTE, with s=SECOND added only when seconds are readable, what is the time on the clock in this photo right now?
h=2 m=53
